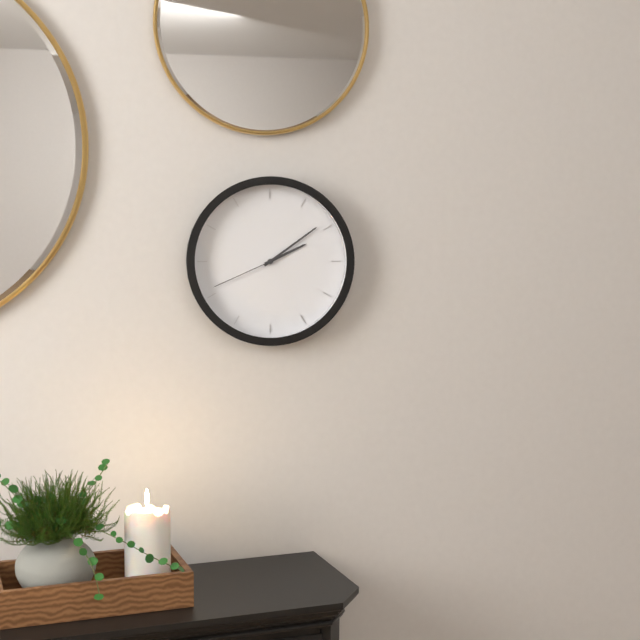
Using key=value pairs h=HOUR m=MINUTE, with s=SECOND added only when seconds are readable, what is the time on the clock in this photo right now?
h=2 m=9 s=41
